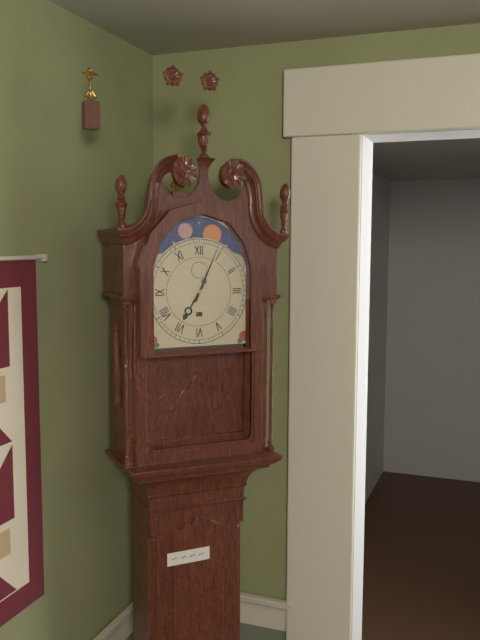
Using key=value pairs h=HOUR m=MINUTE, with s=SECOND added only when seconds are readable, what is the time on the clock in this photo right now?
h=7 m=4
